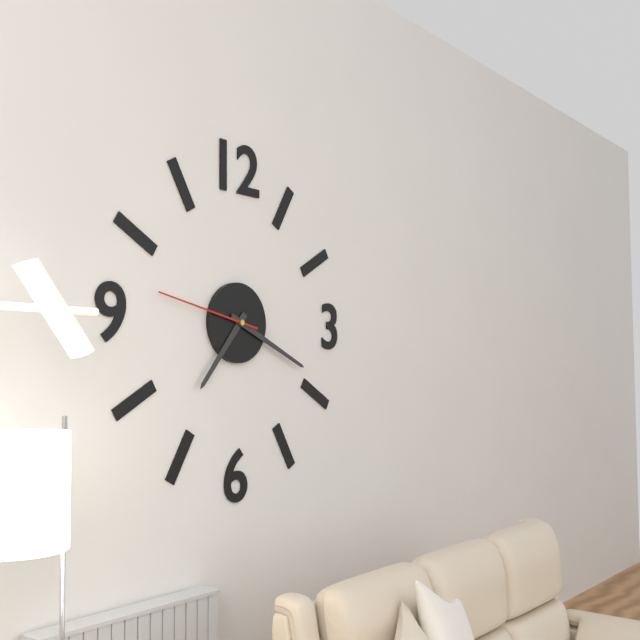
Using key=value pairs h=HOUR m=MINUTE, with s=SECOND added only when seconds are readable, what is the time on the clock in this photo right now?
h=7 m=19 s=47
